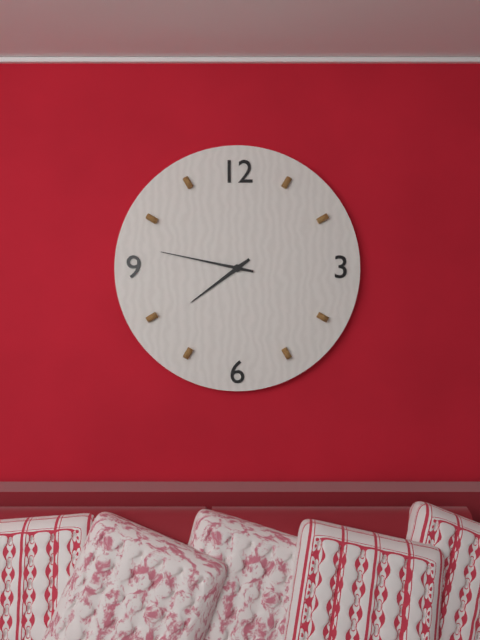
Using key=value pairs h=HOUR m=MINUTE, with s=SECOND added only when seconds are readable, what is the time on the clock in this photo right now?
h=7 m=47
